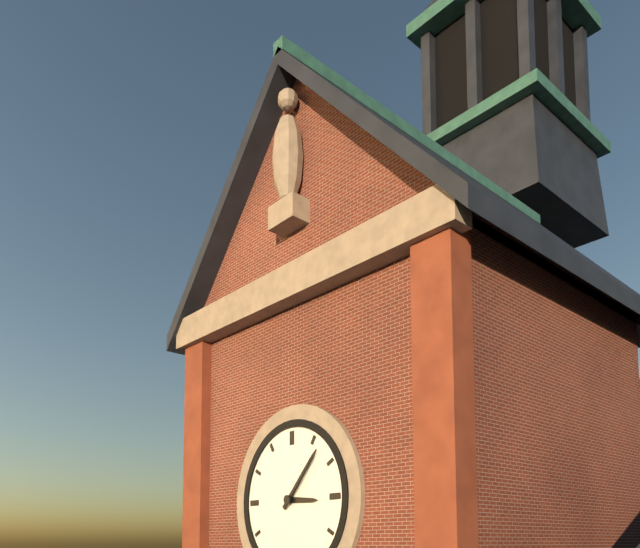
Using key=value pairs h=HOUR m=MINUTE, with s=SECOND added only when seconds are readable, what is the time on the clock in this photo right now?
h=3 m=7
